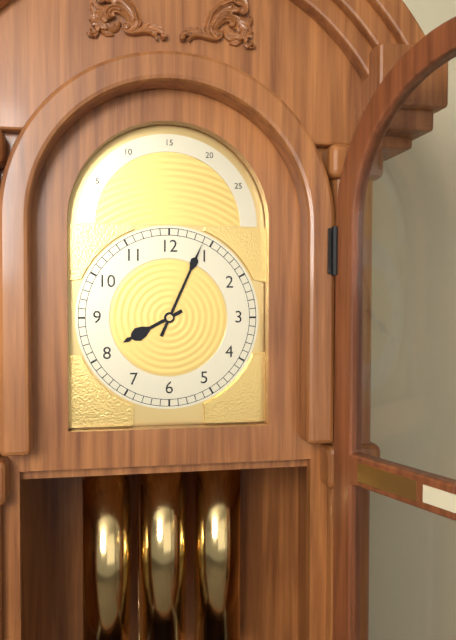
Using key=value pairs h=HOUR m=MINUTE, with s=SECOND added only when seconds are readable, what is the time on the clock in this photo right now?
h=8 m=4
